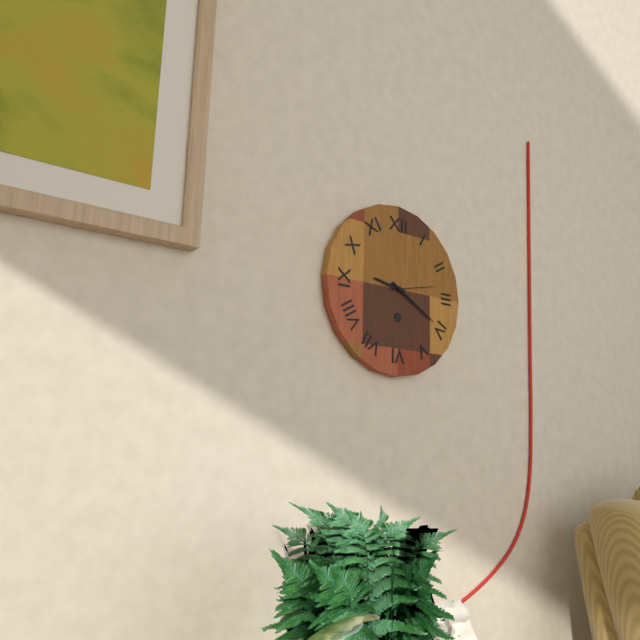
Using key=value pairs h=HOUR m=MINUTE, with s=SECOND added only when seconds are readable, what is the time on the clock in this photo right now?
h=9 m=20
